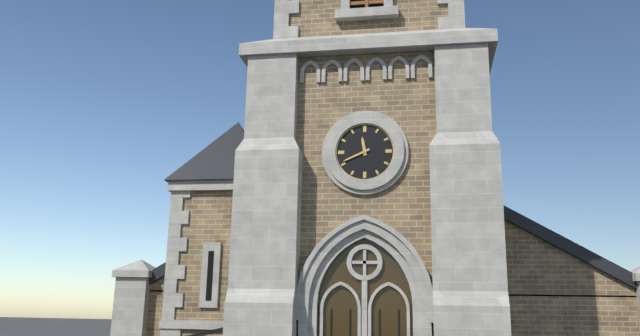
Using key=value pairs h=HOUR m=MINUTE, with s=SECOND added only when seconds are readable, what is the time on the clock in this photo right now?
h=11 m=41
